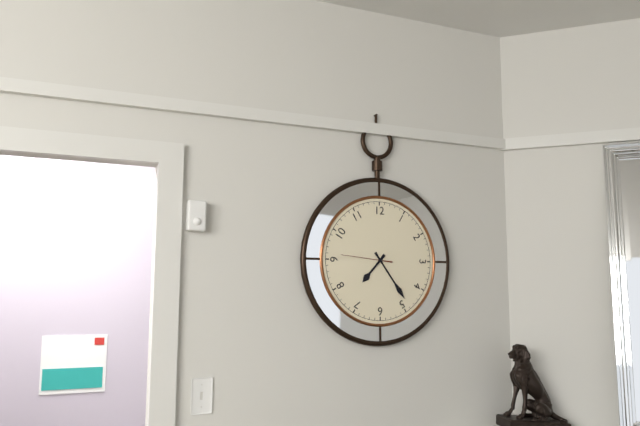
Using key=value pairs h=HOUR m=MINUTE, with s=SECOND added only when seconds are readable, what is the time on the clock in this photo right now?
h=7 m=24
